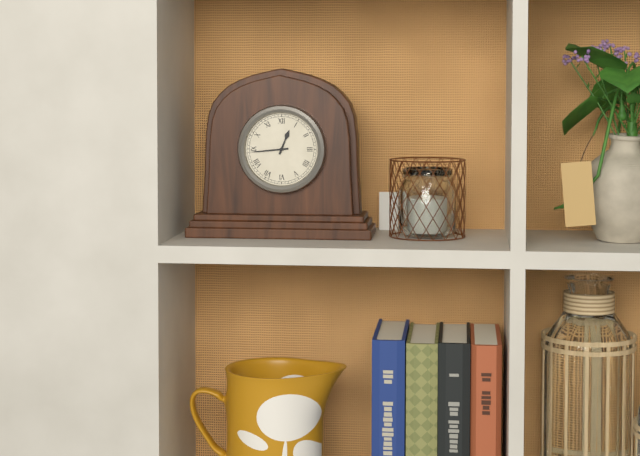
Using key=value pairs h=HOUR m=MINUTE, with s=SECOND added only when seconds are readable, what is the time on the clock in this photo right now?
h=12 m=44
